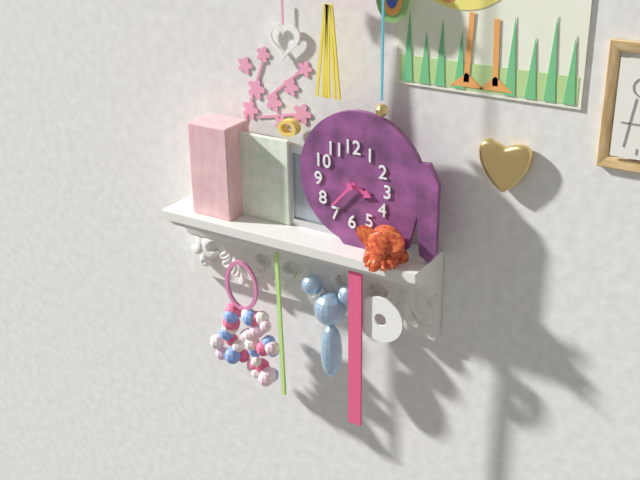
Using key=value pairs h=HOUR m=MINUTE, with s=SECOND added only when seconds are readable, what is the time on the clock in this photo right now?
h=3 m=37
